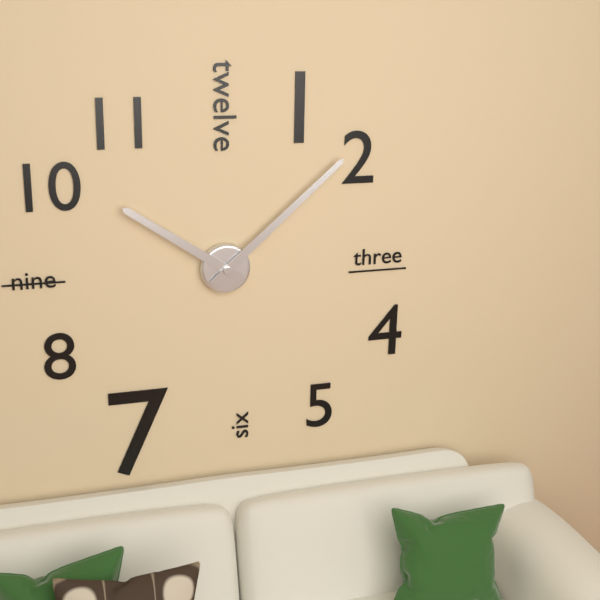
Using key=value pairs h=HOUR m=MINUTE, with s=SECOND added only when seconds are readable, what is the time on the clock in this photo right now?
h=10 m=8
